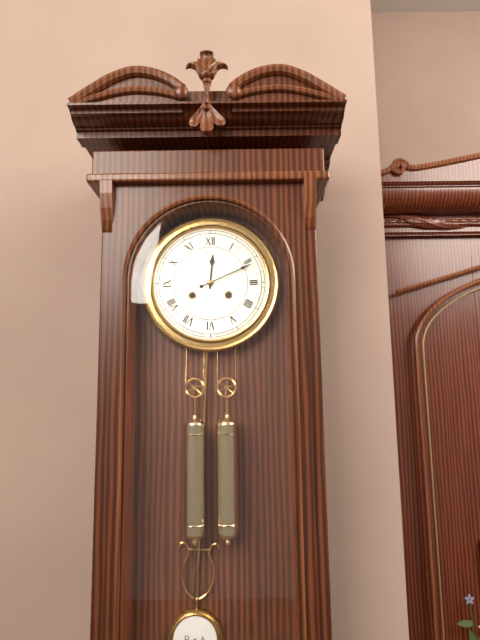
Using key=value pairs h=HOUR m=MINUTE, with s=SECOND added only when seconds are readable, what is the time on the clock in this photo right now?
h=12 m=11
